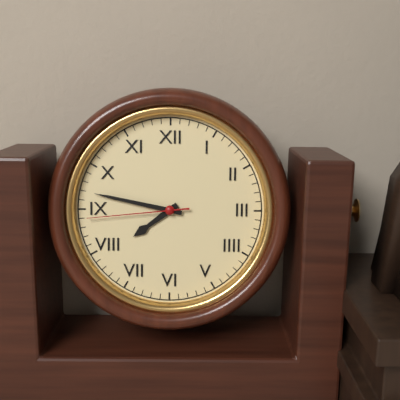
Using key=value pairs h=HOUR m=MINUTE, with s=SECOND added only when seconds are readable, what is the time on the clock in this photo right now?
h=7 m=47 s=44
